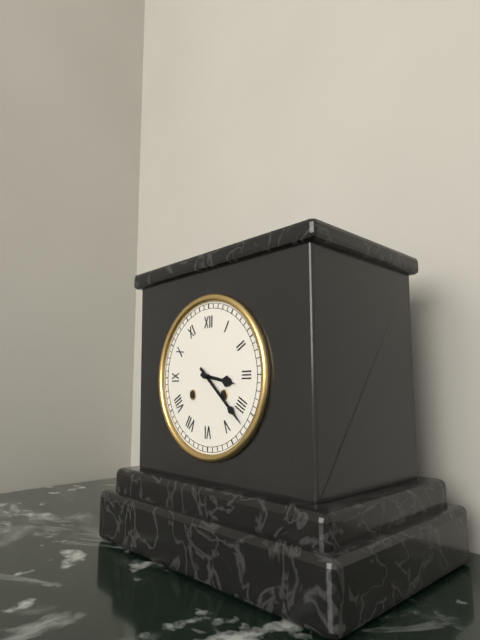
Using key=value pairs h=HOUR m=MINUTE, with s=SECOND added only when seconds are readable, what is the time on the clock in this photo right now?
h=3 m=22
